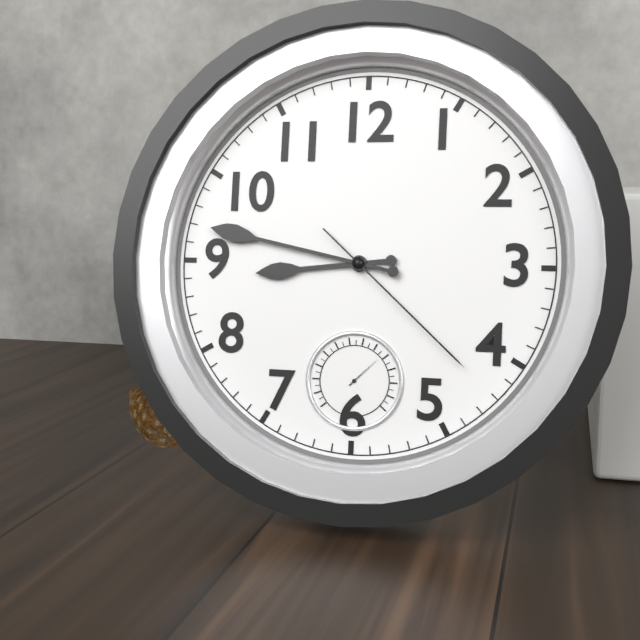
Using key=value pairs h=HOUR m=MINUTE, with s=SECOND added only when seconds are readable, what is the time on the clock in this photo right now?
h=8 m=47 s=22
